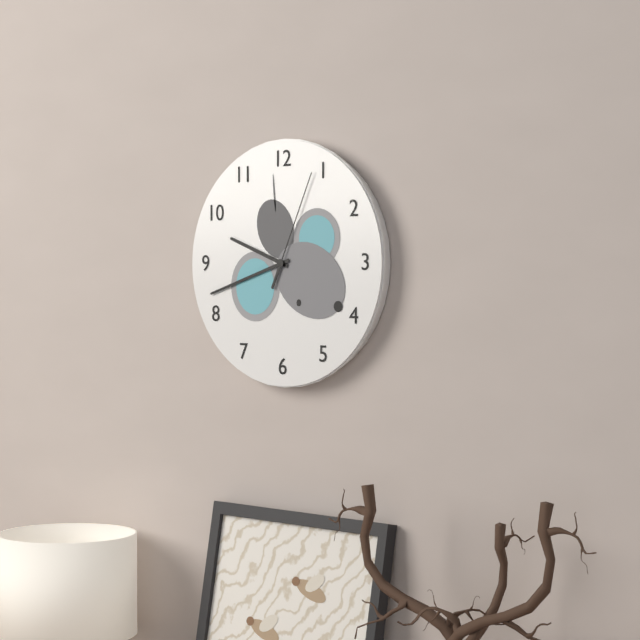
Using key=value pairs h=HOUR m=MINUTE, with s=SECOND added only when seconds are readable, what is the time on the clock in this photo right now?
h=9 m=42 s=4
